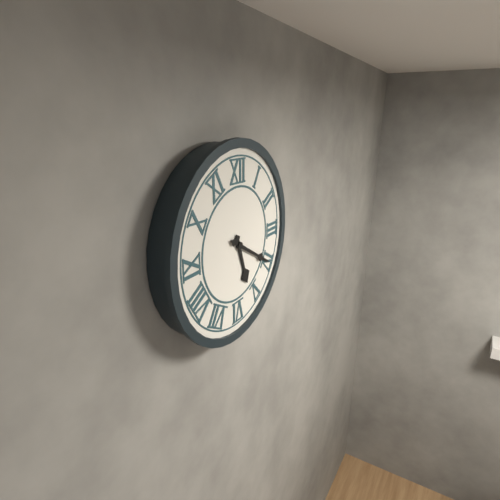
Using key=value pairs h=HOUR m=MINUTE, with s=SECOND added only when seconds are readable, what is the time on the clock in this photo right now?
h=5 m=20
